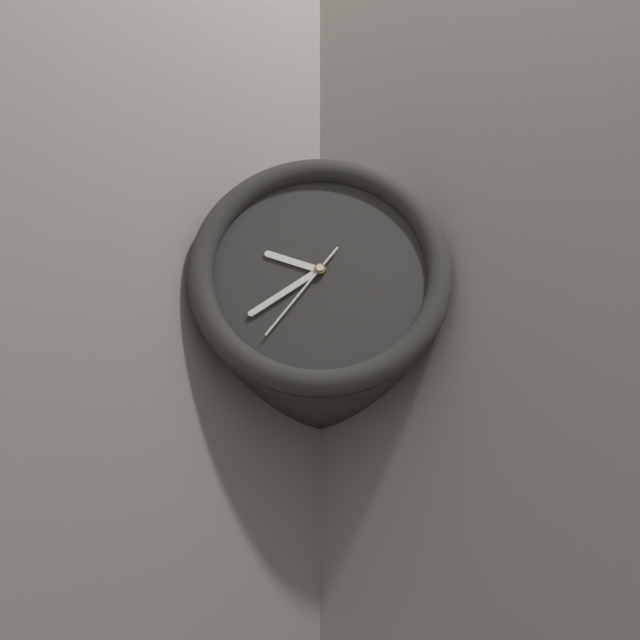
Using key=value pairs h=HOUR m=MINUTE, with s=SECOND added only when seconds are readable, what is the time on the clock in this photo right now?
h=9 m=39 s=36
